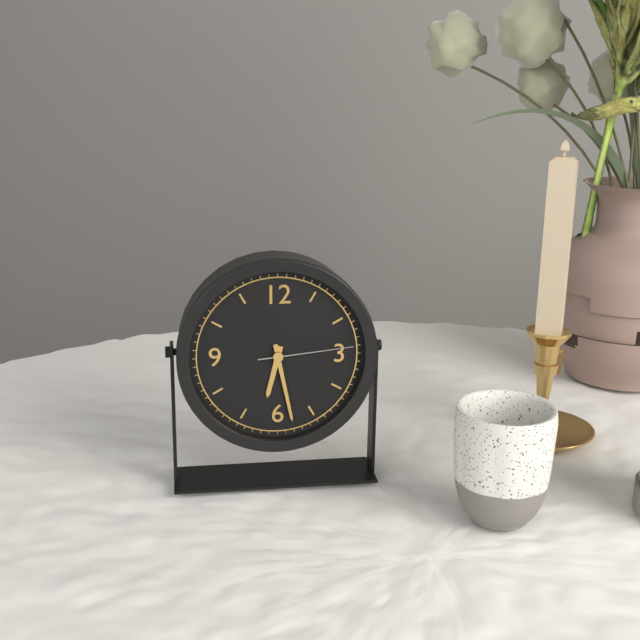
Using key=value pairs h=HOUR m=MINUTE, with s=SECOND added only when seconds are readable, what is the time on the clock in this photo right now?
h=6 m=28 s=14
